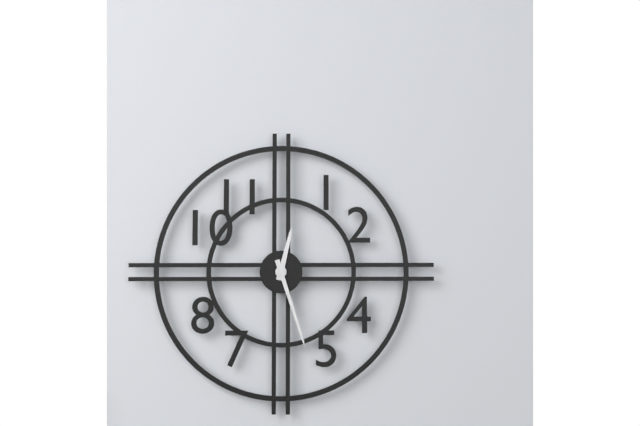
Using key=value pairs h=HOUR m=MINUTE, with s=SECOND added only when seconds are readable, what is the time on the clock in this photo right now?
h=12 m=27
